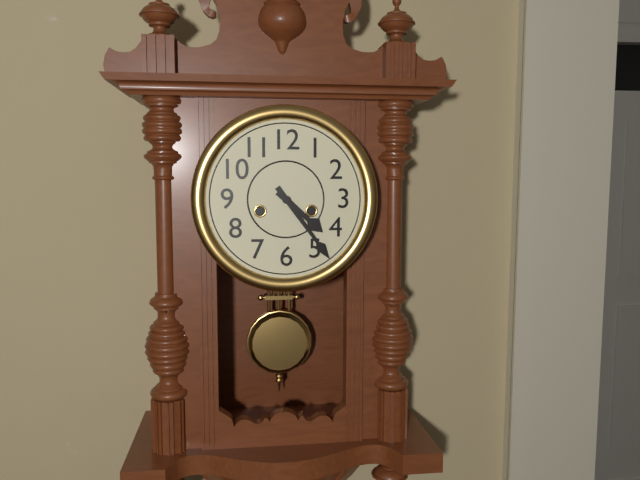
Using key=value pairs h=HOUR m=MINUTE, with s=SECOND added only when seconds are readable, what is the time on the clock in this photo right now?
h=4 m=24
